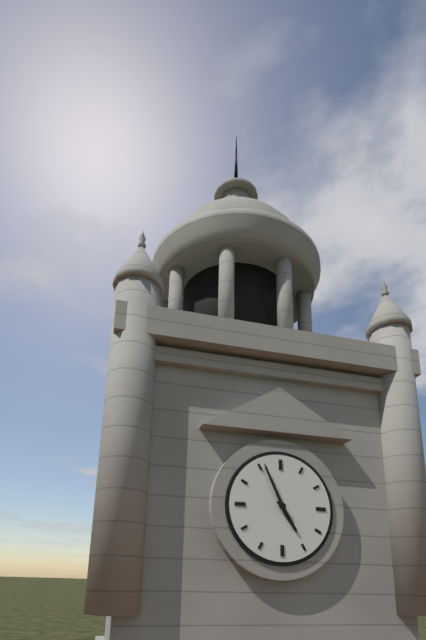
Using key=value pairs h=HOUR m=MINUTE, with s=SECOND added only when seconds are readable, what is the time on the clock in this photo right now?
h=4 m=56
